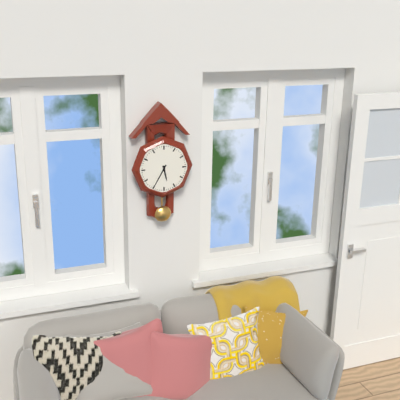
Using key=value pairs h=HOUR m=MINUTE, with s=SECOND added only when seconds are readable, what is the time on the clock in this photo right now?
h=5 m=35
